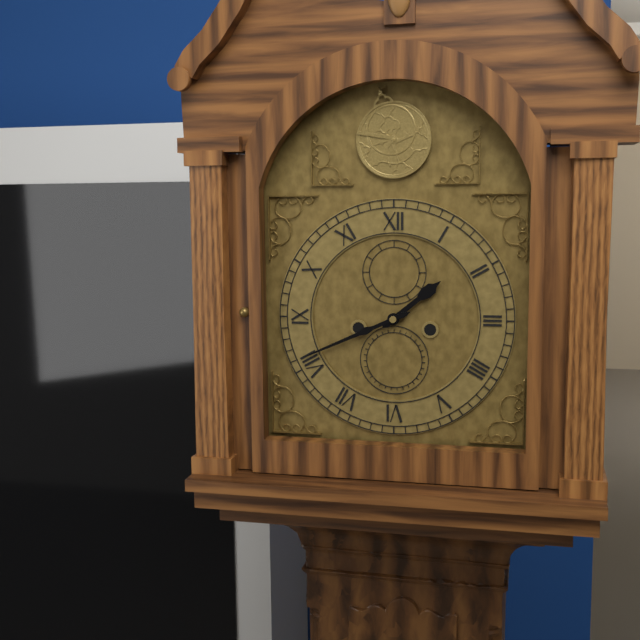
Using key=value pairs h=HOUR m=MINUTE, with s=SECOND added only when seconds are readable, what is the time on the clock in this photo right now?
h=1 m=41
